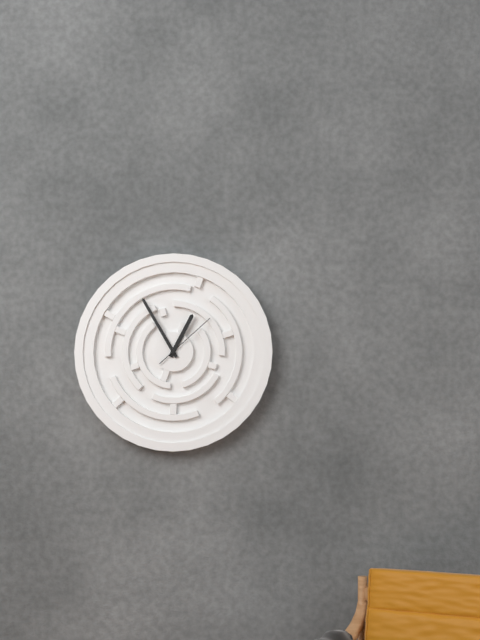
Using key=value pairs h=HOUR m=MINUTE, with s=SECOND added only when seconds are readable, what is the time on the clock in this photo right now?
h=12 m=55 s=8
